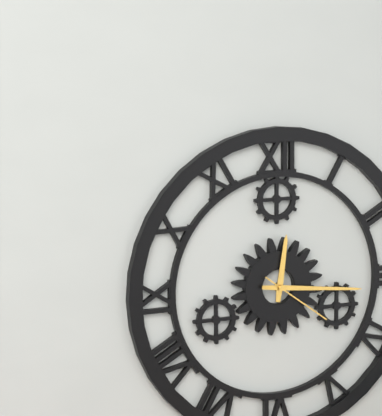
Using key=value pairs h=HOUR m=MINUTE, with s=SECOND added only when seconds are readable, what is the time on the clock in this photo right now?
h=12 m=16 s=21
